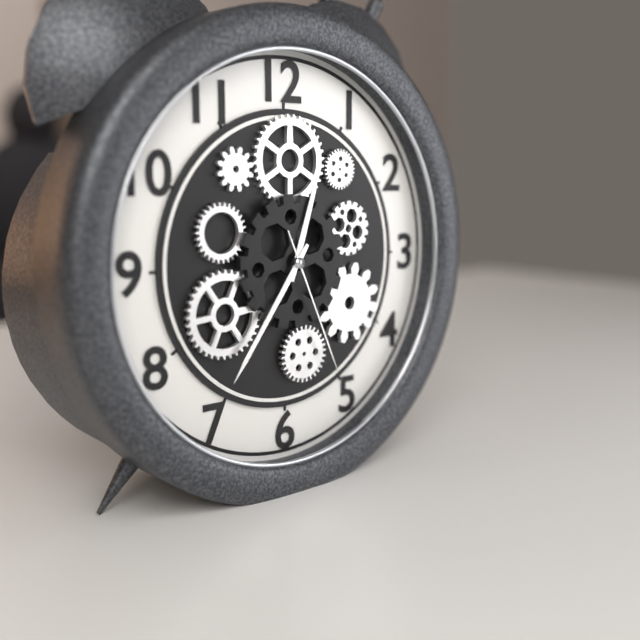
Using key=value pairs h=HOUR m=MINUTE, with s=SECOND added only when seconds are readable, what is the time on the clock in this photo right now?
h=12 m=36 s=26
